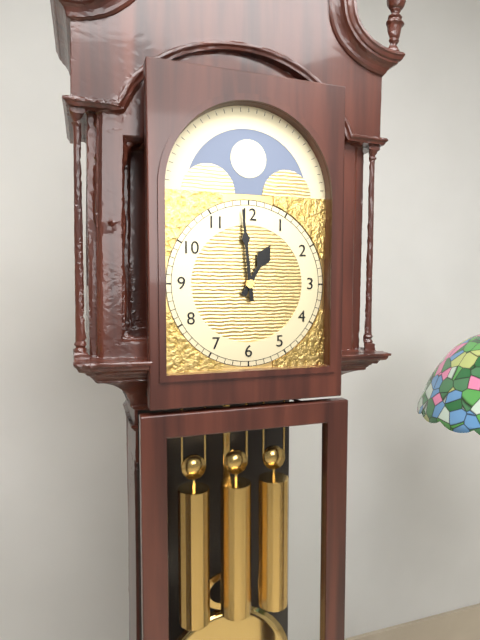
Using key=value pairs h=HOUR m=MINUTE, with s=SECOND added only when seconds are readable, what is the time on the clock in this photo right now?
h=12 m=59
